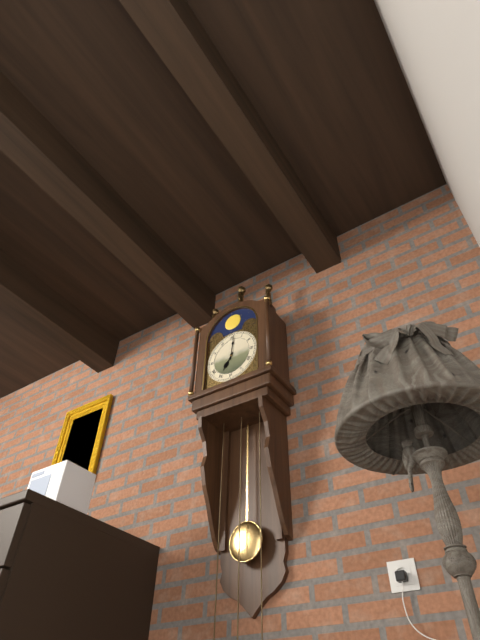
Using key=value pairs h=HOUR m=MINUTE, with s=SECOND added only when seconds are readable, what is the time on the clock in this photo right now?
h=7 m=1
